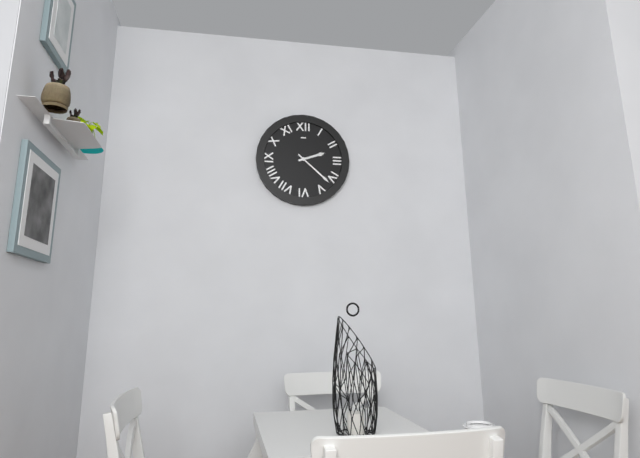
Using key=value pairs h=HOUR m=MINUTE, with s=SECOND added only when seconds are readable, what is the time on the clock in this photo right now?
h=2 m=22
